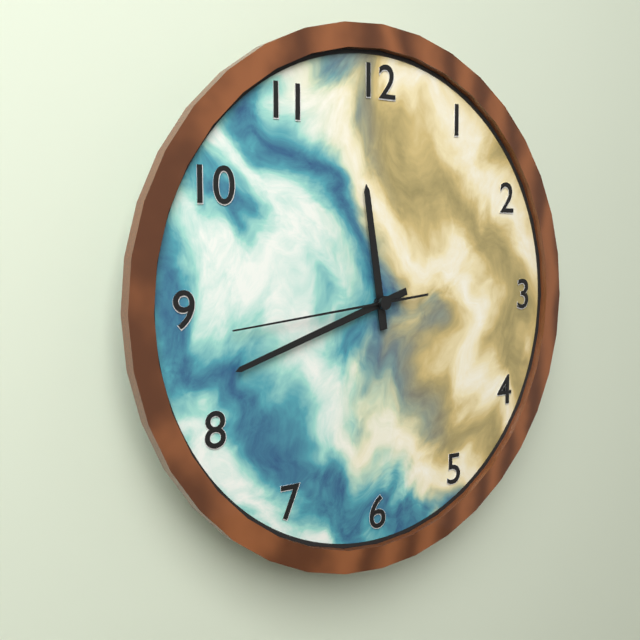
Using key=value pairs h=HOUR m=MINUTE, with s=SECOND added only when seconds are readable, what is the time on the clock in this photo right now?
h=11 m=42 s=44
